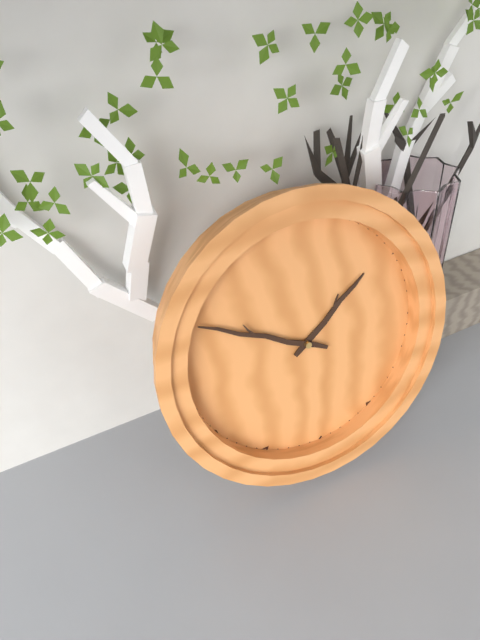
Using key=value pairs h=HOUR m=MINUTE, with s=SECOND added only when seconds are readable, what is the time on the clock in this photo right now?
h=1 m=50
